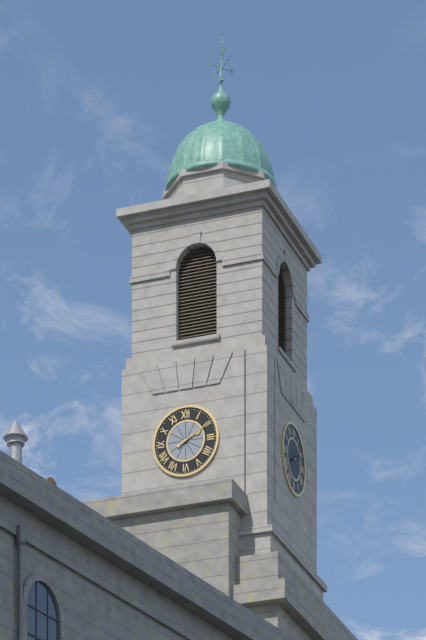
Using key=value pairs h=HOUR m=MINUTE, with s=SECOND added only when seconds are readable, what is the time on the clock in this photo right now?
h=2 m=10
